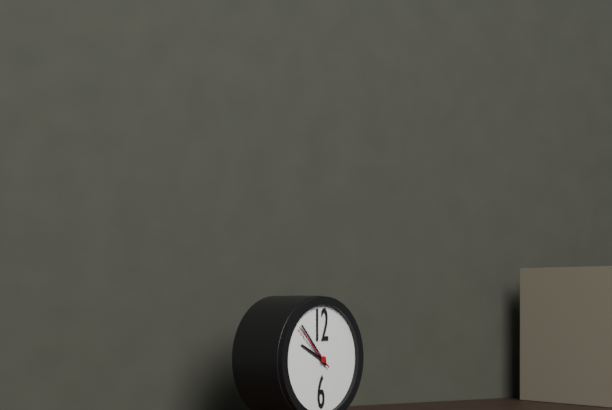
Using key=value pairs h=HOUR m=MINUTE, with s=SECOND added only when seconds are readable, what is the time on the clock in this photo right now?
h=9 m=53
